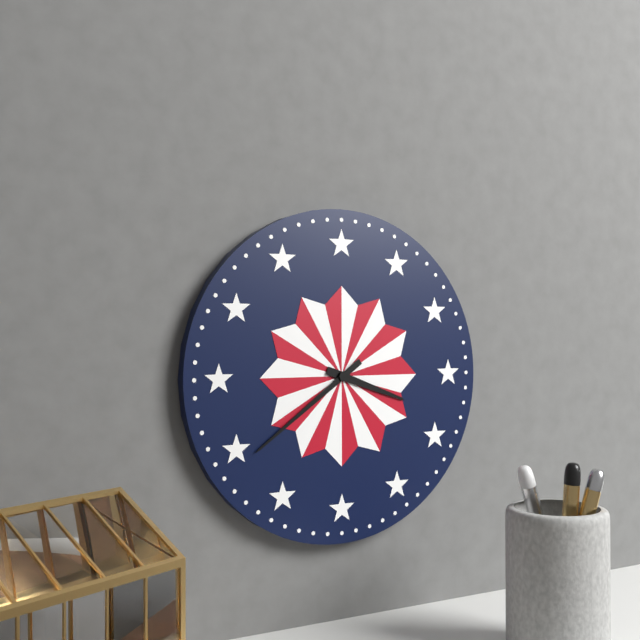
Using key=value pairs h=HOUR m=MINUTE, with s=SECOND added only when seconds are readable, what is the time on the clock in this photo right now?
h=3 m=39
